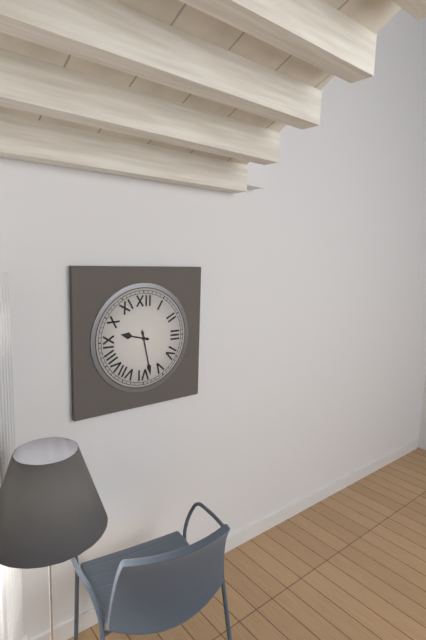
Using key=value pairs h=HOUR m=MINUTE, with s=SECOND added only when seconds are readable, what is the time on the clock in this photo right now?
h=9 m=28
